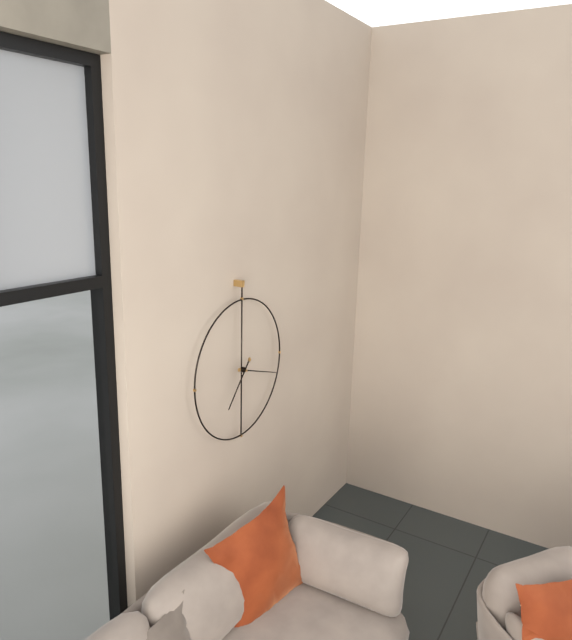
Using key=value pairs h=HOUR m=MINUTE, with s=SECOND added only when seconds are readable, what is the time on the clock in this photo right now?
h=7 m=18
